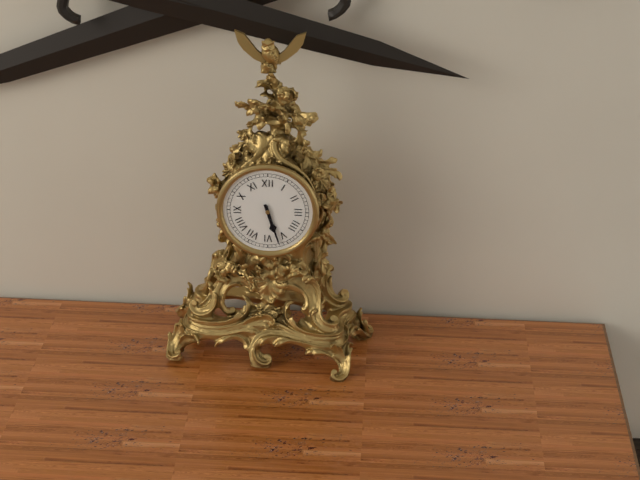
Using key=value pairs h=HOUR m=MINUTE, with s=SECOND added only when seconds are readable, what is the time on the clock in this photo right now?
h=5 m=27
